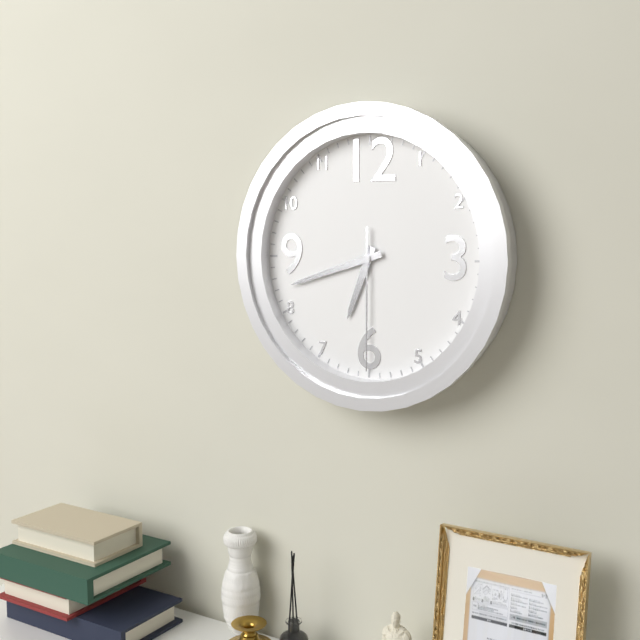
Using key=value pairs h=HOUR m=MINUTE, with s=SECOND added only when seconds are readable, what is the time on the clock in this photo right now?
h=6 m=42 s=30
